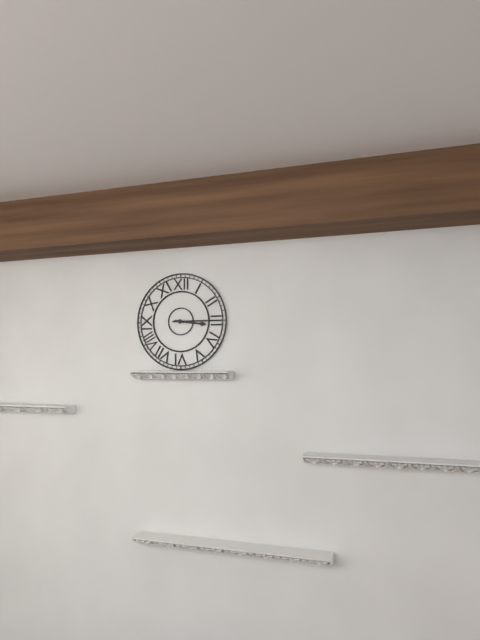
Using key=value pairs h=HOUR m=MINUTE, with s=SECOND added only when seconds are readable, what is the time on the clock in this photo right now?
h=3 m=15
